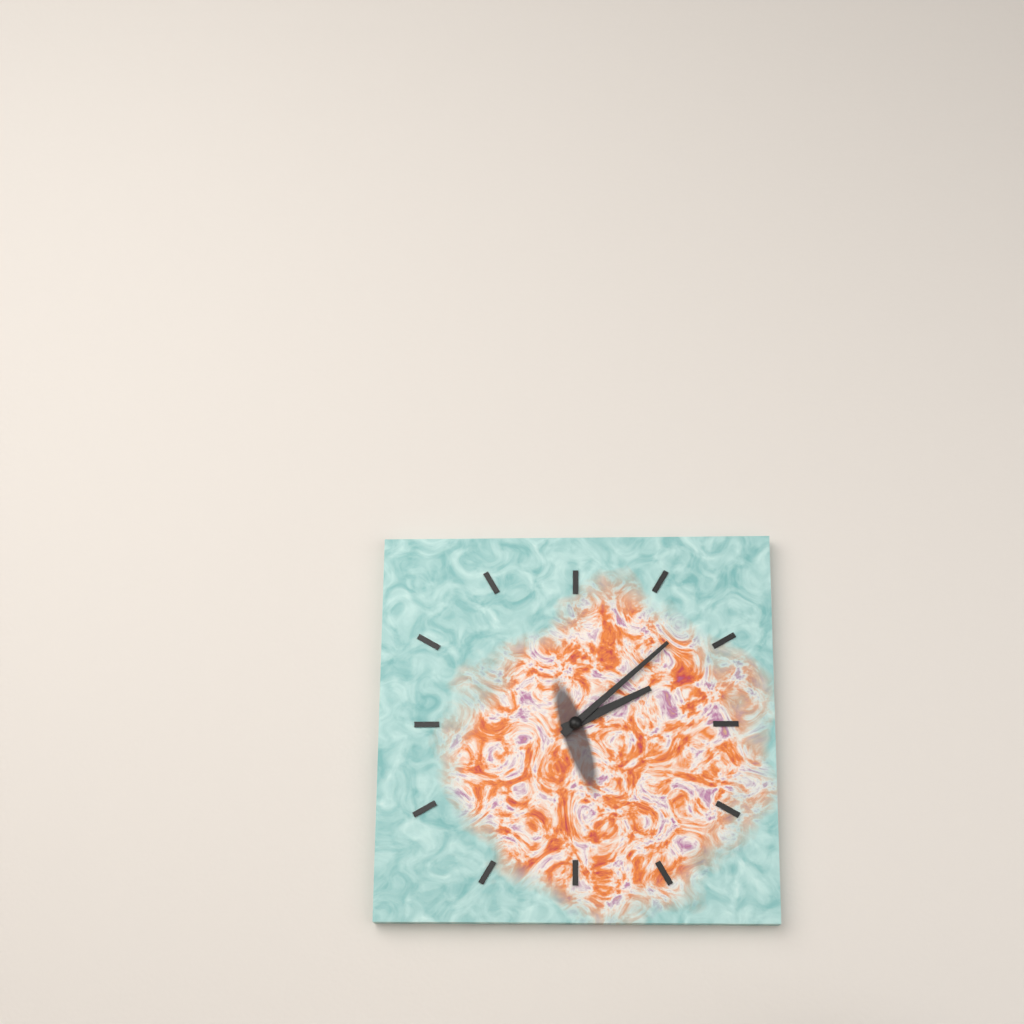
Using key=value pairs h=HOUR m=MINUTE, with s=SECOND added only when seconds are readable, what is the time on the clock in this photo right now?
h=2 m=8
